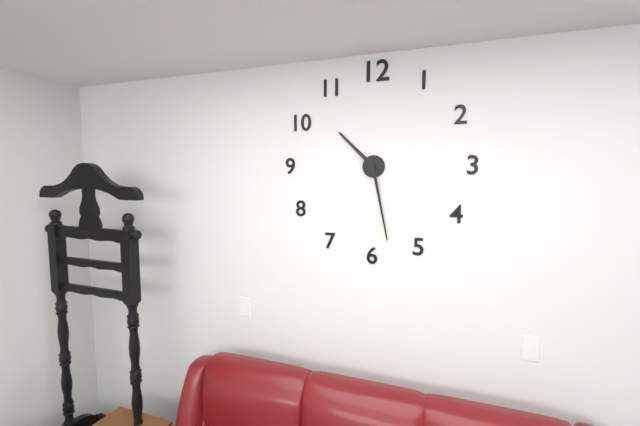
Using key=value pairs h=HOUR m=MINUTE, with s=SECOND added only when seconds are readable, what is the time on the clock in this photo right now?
h=10 m=28
